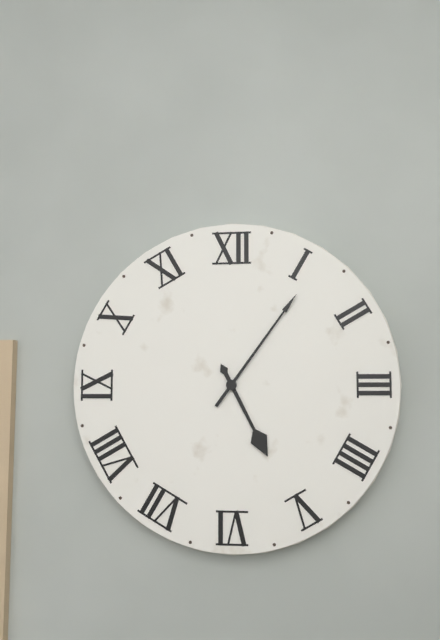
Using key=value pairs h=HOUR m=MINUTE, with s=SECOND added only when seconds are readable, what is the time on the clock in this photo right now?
h=5 m=6
